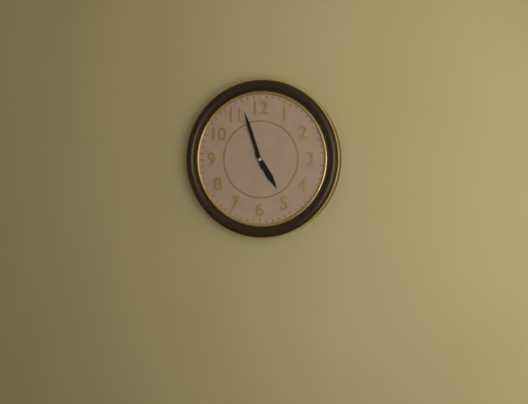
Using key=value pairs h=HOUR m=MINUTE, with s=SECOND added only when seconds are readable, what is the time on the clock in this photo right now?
h=4 m=57
